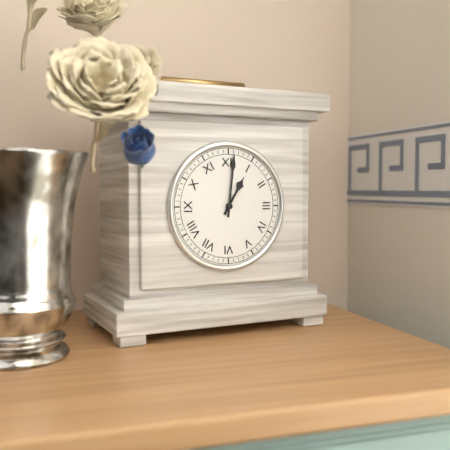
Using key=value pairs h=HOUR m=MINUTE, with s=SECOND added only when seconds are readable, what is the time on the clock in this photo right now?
h=1 m=1
